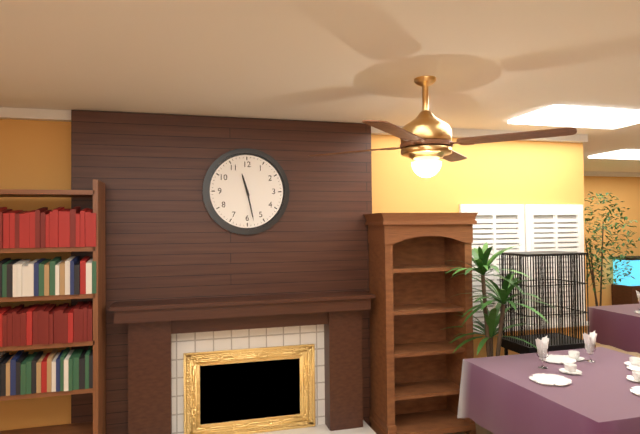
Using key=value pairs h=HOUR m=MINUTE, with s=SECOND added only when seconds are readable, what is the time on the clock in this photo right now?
h=11 m=28
